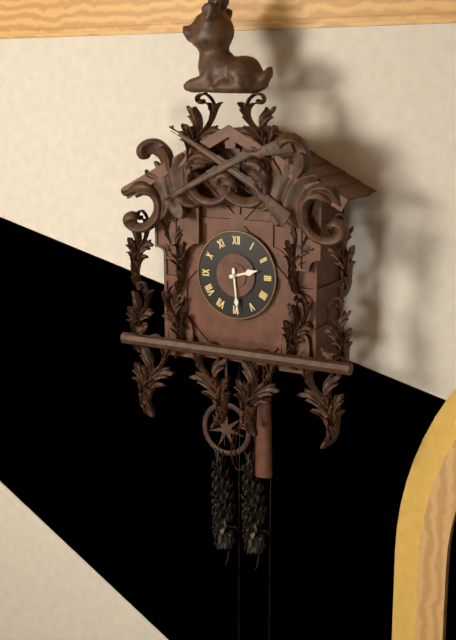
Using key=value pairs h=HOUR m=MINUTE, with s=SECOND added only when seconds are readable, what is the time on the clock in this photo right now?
h=2 m=29
